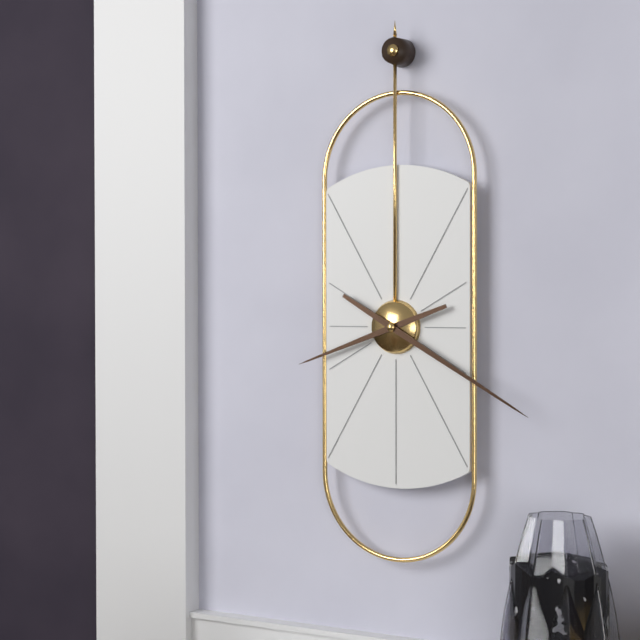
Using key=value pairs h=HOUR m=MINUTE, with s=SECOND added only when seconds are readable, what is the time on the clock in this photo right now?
h=8 m=20
